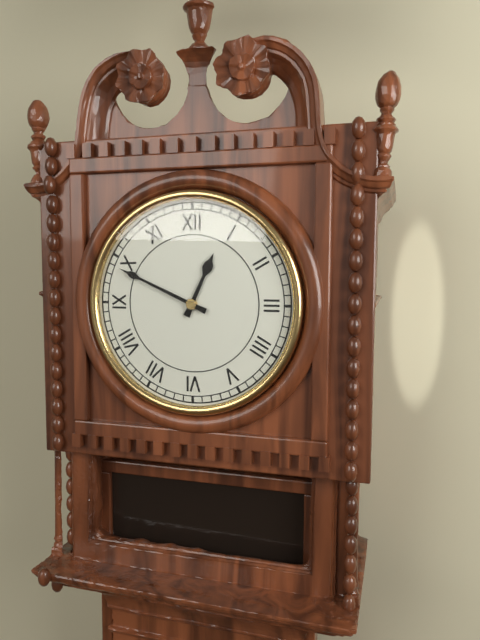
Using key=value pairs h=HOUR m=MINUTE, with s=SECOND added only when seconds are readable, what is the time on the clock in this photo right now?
h=12 m=49
